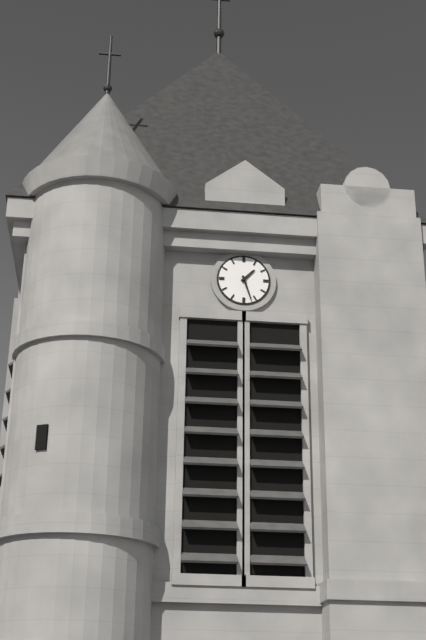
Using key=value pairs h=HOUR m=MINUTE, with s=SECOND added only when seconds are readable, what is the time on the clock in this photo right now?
h=1 m=27
